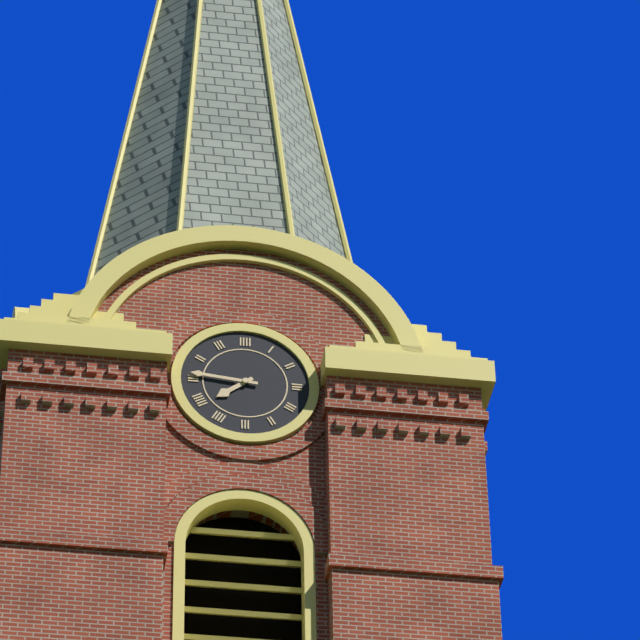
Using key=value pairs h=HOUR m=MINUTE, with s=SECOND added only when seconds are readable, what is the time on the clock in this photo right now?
h=7 m=46
